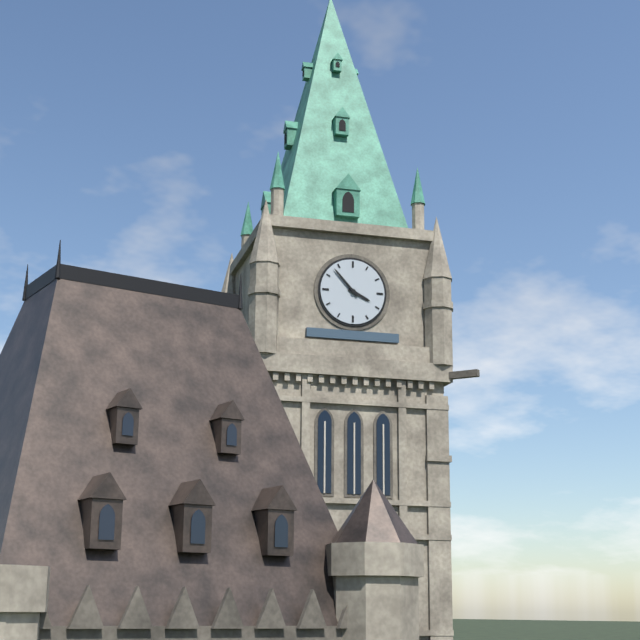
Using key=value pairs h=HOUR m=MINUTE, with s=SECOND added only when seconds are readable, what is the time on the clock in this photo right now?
h=3 m=53
